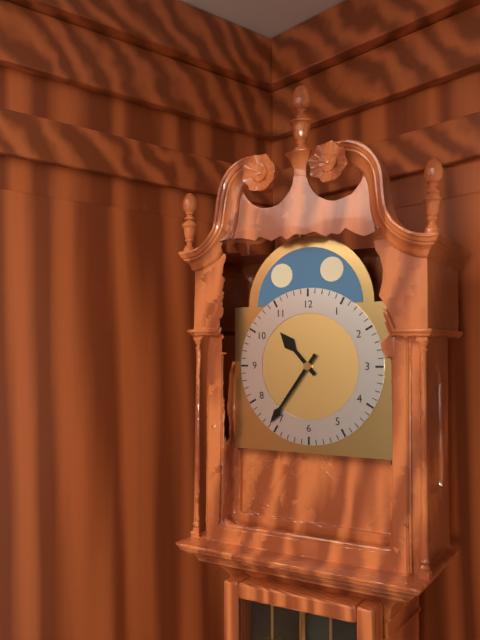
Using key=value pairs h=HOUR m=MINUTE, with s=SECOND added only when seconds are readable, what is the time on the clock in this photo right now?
h=10 m=36
